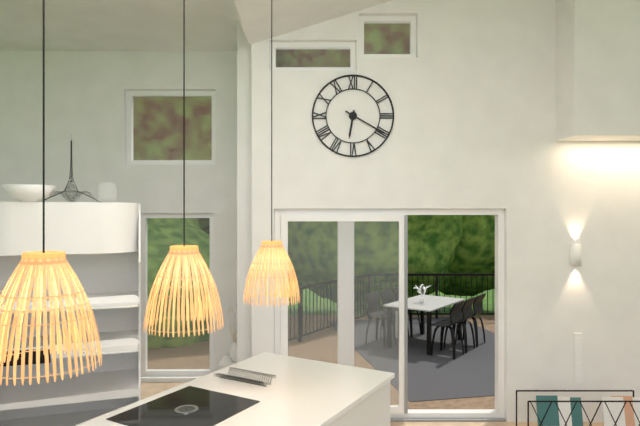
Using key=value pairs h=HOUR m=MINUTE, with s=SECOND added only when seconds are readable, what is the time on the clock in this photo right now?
h=6 m=20
